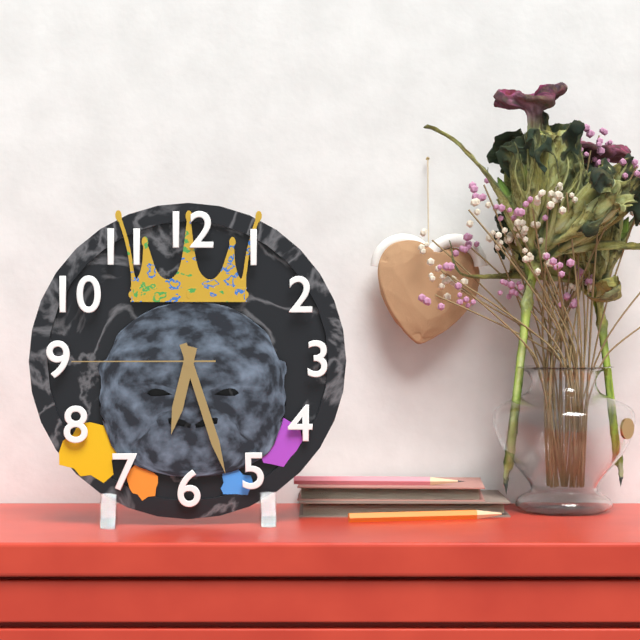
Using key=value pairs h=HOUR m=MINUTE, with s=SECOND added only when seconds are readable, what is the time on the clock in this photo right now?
h=6 m=27 s=45
